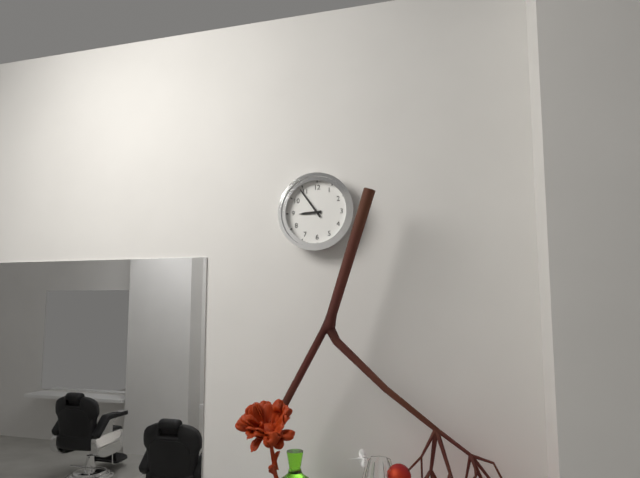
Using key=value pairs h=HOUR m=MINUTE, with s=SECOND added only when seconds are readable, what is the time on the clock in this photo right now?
h=8 m=54
